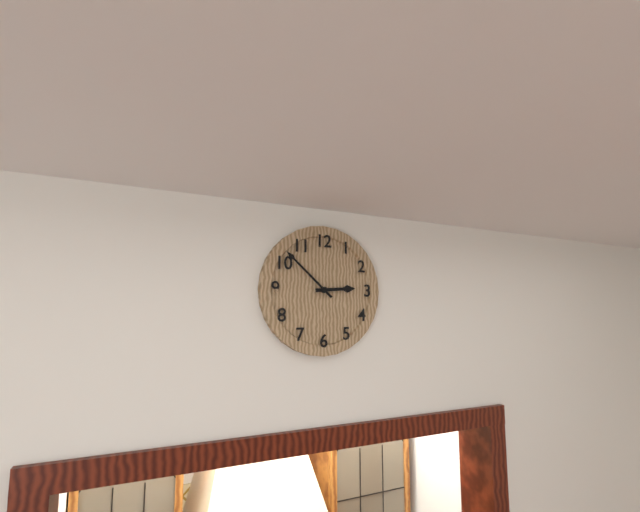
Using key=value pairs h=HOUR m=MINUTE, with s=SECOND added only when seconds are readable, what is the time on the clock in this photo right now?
h=2 m=52
